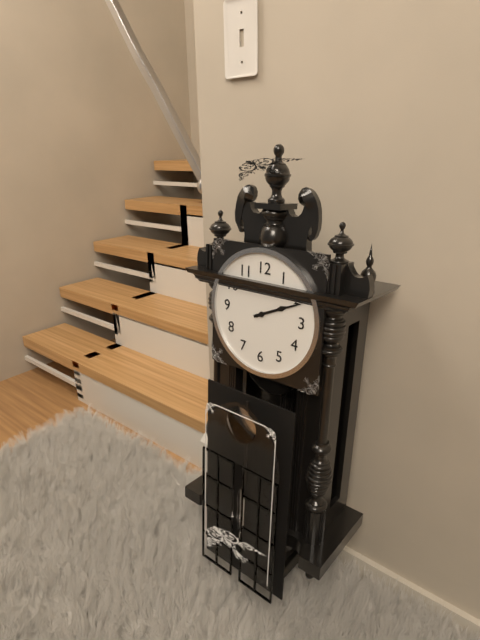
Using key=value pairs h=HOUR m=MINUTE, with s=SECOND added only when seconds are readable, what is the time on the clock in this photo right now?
h=2 m=11
